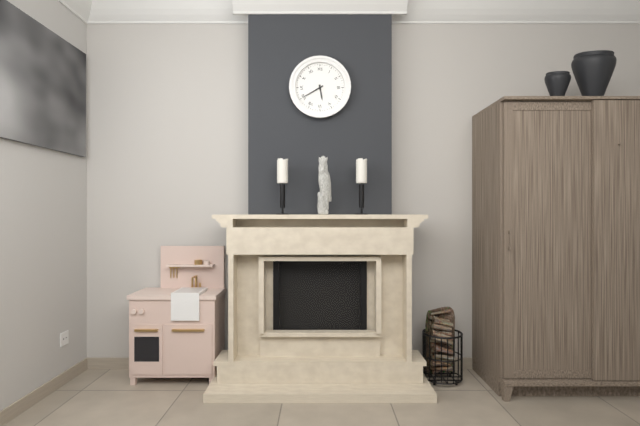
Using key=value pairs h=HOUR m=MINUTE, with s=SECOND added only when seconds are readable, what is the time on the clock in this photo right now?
h=5 m=40
